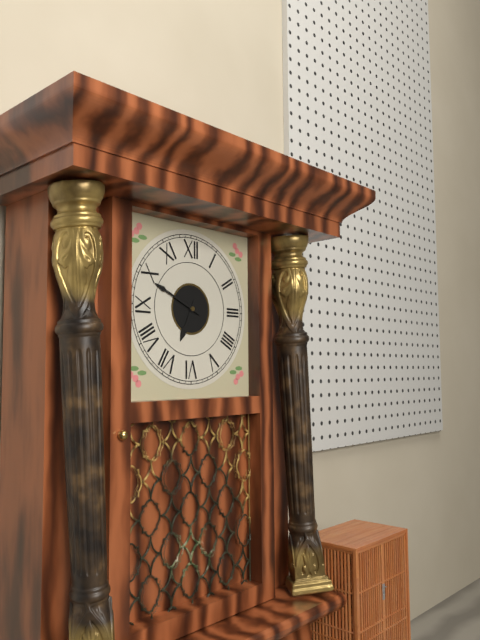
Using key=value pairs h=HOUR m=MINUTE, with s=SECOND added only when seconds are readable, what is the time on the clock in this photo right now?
h=6 m=49
